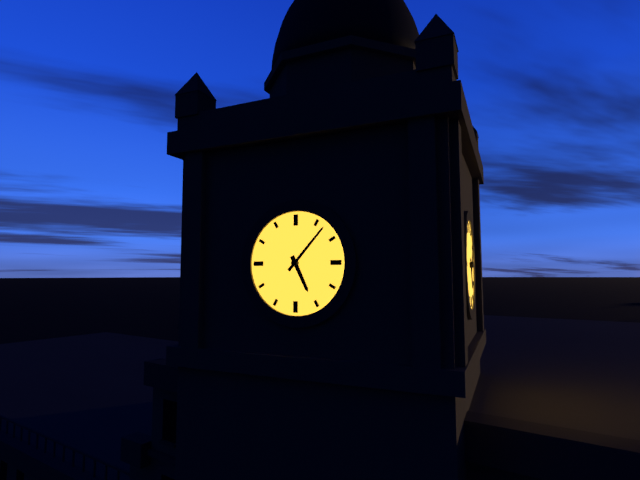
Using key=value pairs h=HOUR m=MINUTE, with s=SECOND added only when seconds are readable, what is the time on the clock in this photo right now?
h=5 m=7
